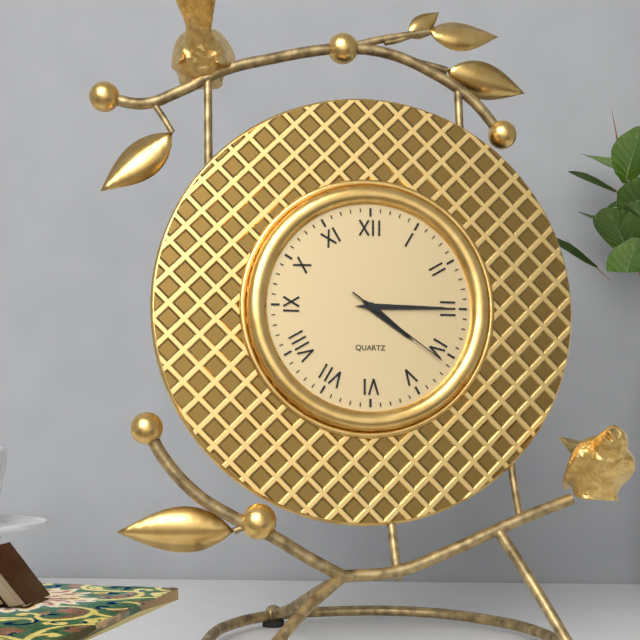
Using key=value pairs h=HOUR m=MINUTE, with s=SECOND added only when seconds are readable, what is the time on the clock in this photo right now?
h=4 m=15 s=21
